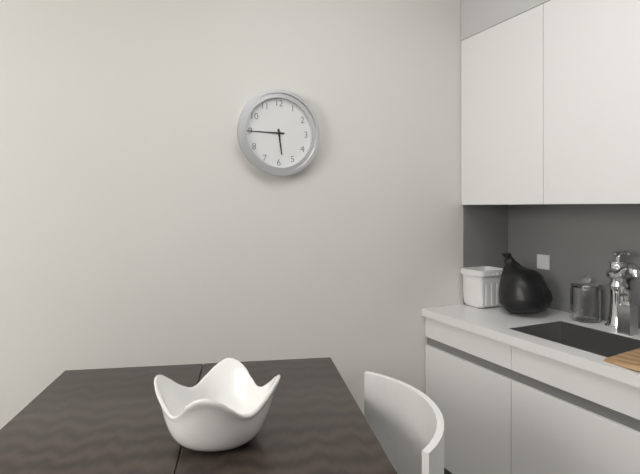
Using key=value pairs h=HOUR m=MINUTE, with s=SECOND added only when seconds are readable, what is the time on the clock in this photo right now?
h=5 m=45
